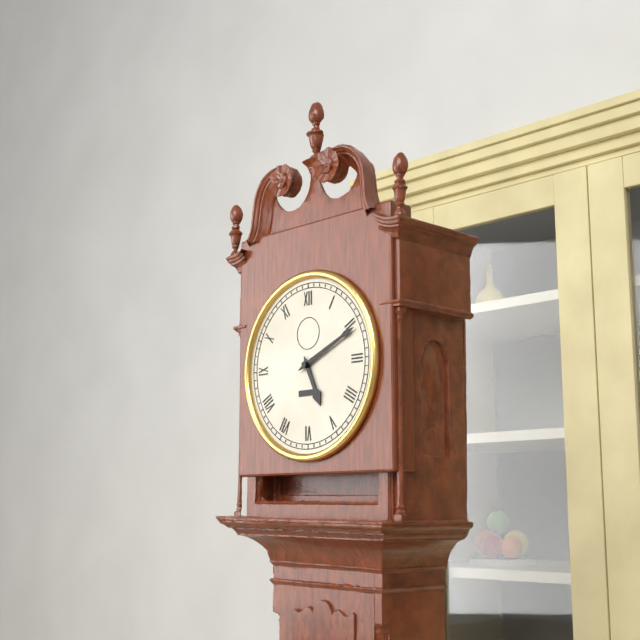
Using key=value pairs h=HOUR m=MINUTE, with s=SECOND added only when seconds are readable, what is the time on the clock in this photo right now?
h=5 m=11
